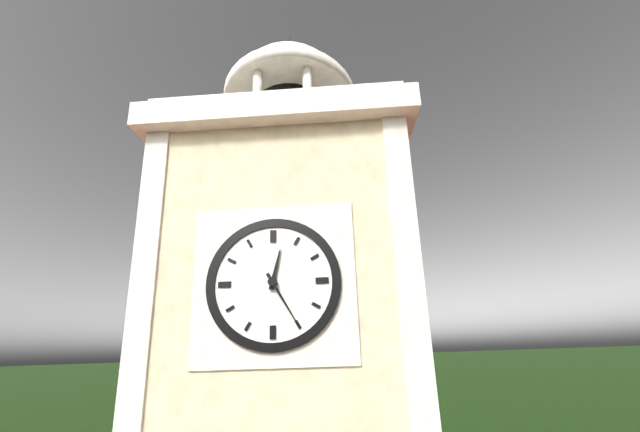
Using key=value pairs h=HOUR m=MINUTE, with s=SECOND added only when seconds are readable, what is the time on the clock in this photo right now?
h=12 m=25
